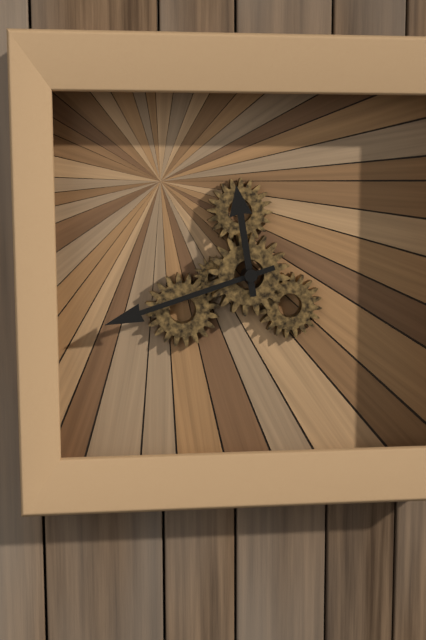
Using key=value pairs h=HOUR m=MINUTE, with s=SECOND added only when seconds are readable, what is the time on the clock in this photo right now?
h=11 m=42
